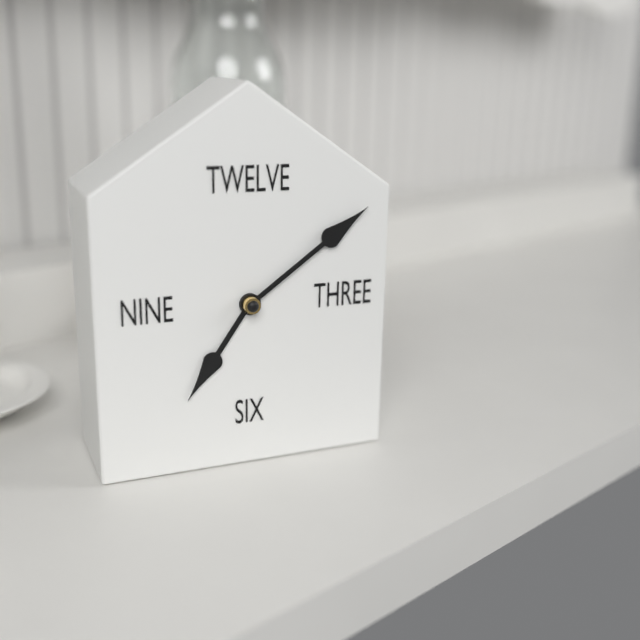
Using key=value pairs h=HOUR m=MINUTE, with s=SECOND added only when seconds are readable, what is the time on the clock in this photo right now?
h=7 m=9
